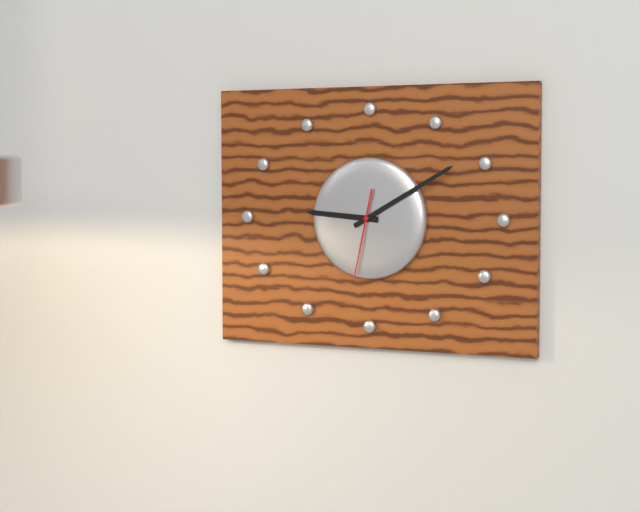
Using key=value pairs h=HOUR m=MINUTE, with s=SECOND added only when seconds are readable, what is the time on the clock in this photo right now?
h=9 m=10 s=32
